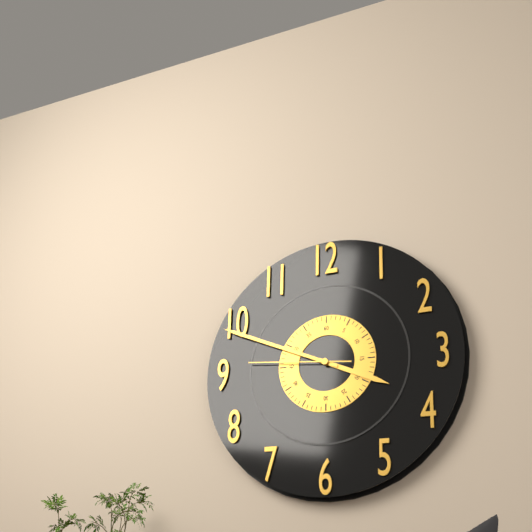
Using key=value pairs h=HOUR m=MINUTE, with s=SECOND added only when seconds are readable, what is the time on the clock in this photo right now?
h=3 m=49 s=46
